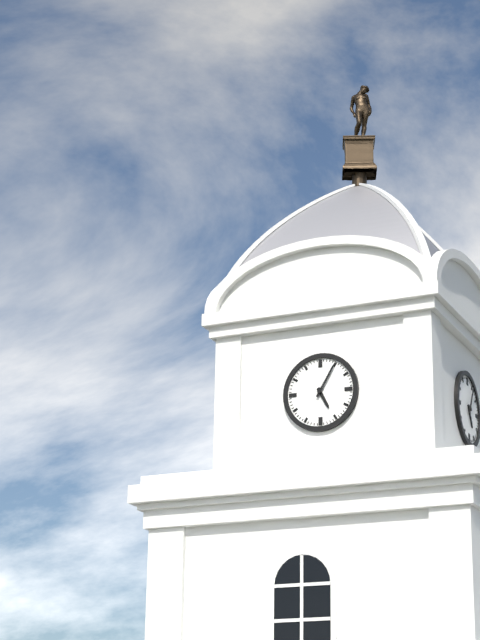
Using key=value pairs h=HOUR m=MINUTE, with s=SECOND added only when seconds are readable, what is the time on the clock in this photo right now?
h=5 m=5
